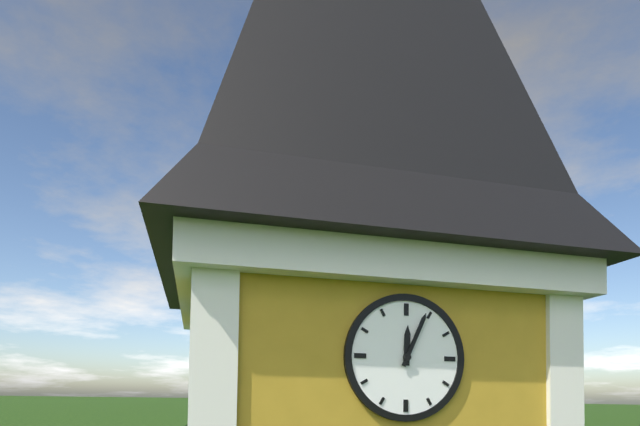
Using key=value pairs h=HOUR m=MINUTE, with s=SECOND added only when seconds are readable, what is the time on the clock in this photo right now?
h=12 m=4
